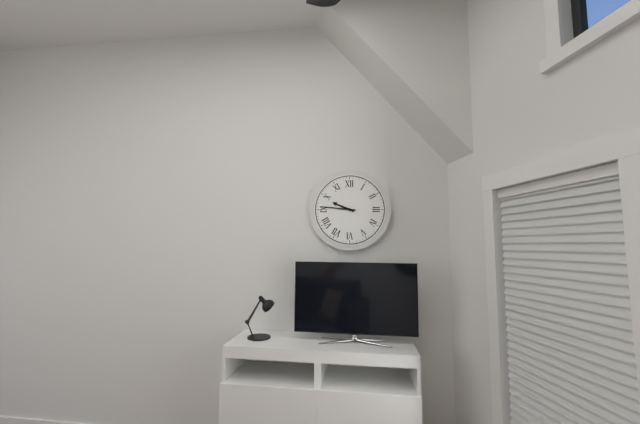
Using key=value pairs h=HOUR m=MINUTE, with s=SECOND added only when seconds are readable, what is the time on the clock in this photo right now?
h=9 m=46
